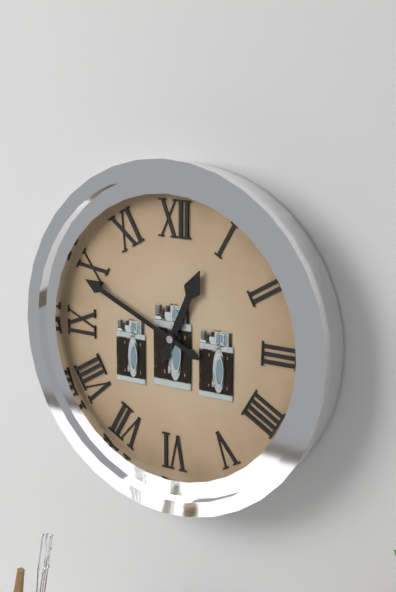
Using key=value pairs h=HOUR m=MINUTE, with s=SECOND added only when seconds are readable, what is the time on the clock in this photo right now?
h=12 m=49
